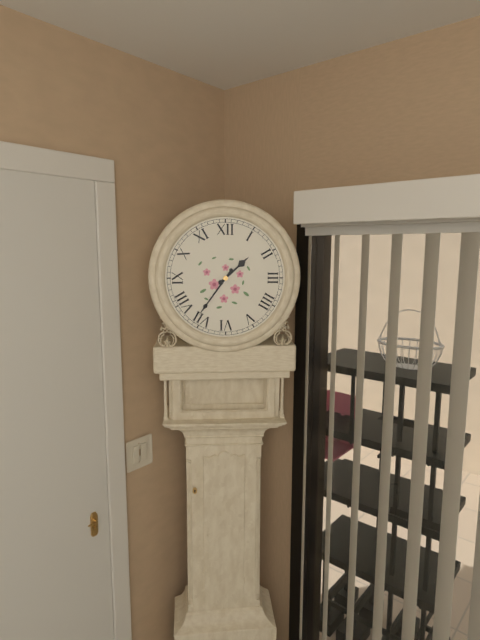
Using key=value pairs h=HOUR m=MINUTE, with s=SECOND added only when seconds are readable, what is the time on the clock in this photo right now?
h=1 m=36
